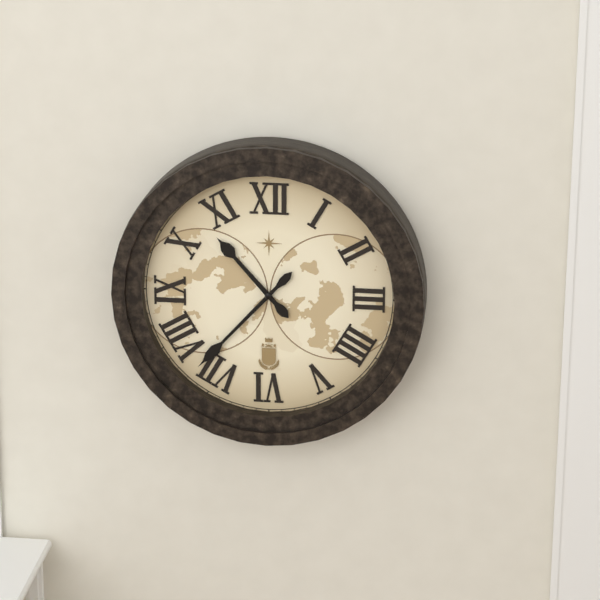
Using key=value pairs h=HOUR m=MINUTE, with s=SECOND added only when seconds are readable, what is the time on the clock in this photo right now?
h=10 m=37
